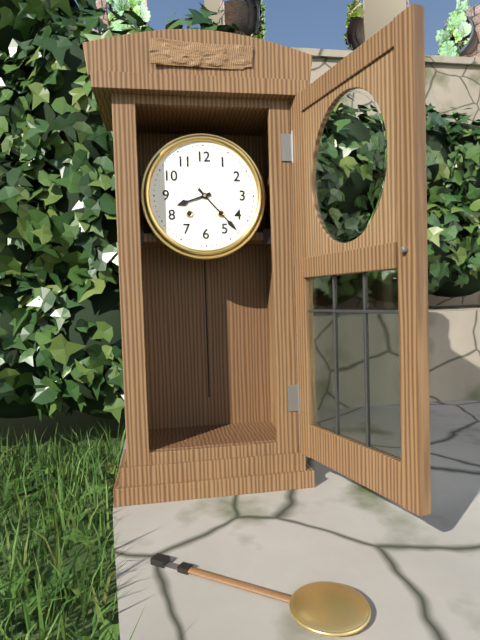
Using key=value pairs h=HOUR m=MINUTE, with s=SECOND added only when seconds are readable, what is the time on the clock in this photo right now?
h=8 m=23
